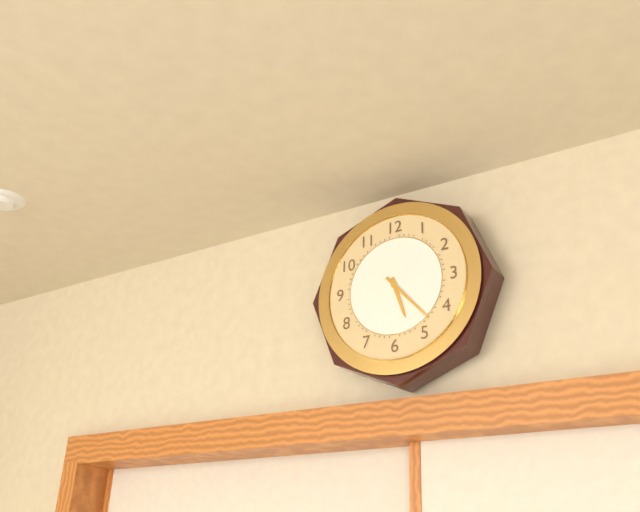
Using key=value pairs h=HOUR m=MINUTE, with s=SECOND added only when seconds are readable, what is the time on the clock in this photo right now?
h=5 m=23
